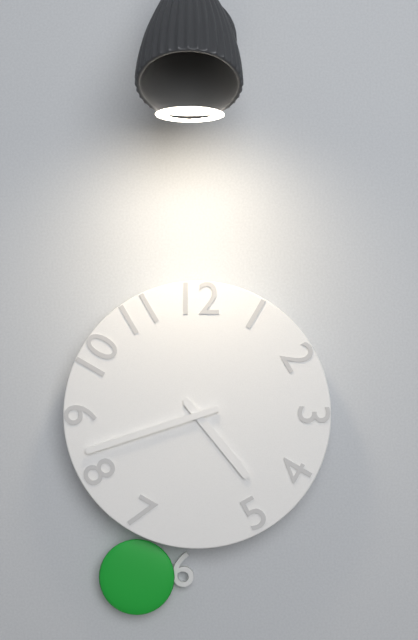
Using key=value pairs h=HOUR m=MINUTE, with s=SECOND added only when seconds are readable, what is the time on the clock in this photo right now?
h=4 m=42
